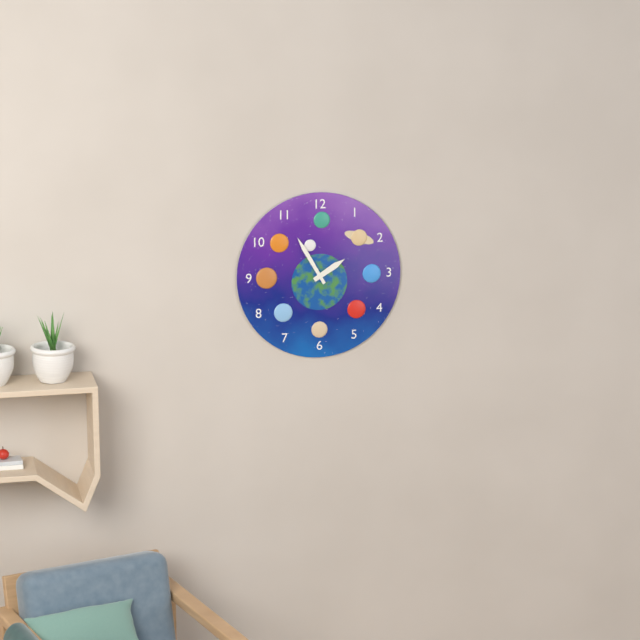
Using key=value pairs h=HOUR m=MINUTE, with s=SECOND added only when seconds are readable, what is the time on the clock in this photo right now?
h=1 m=55
